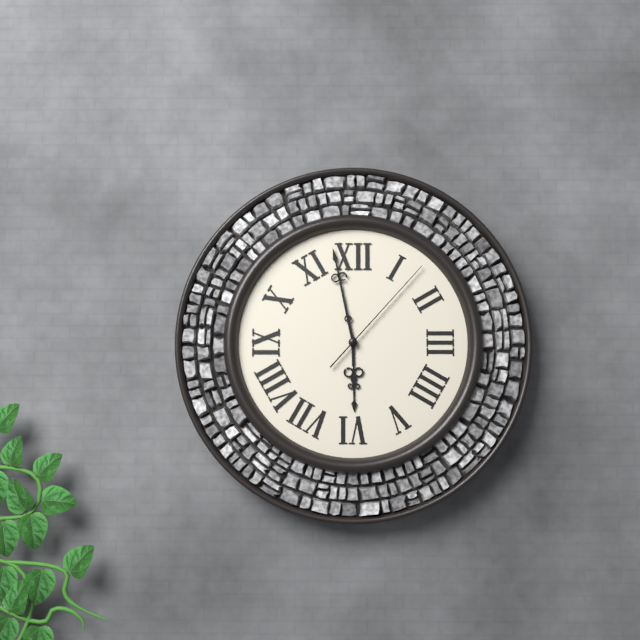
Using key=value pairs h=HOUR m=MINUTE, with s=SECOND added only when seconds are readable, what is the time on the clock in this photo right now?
h=5 m=58 s=7
